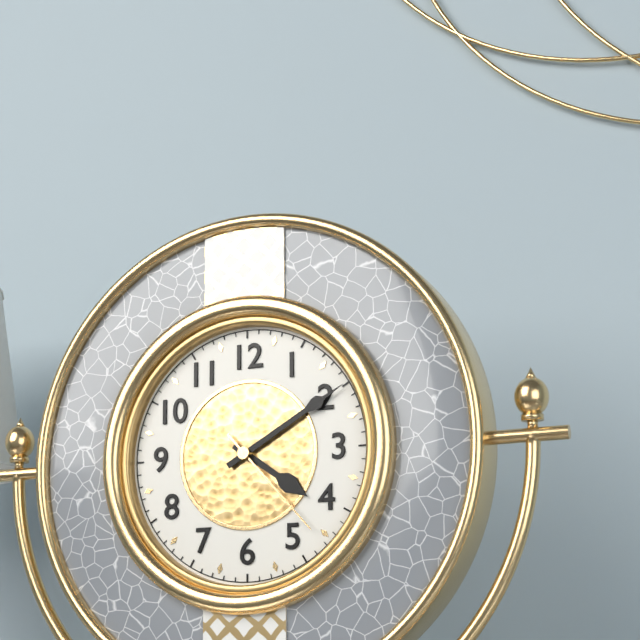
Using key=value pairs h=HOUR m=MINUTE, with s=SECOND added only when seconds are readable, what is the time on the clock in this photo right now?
h=4 m=10 s=23
